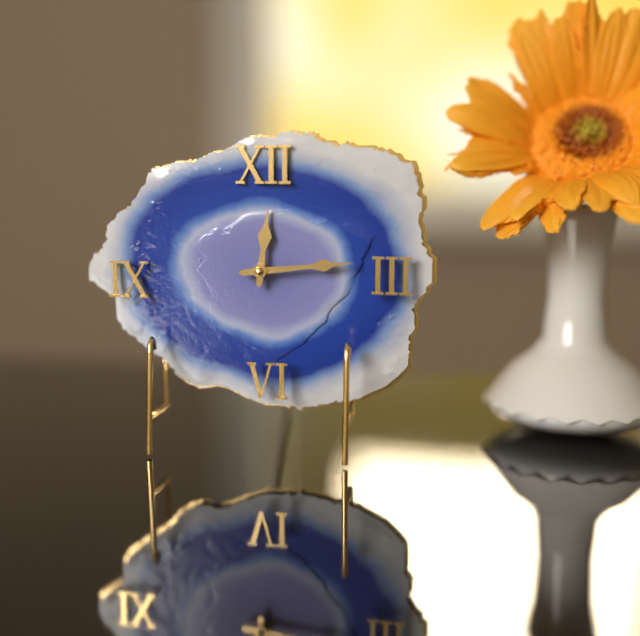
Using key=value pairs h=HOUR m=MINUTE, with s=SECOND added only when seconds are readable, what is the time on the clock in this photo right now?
h=12 m=14
